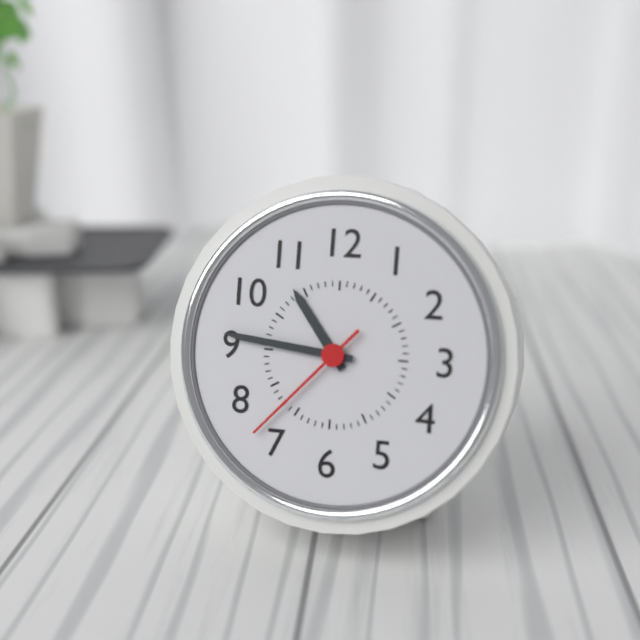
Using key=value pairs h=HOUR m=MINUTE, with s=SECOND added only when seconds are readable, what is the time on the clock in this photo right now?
h=10 m=46 s=37
